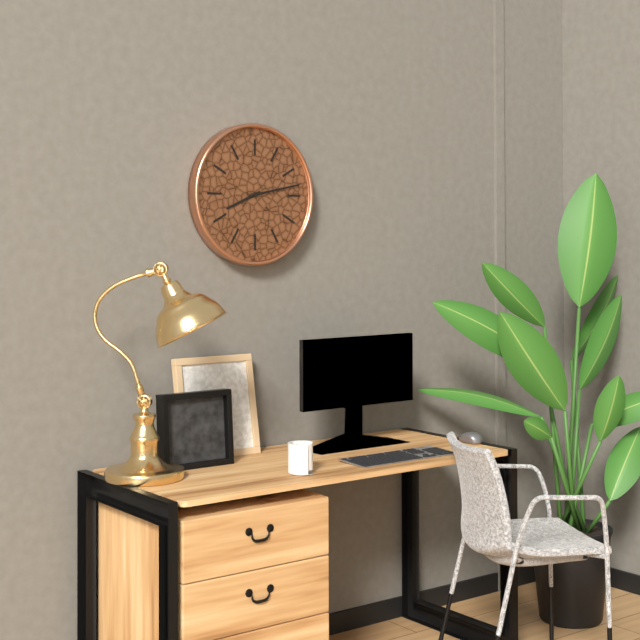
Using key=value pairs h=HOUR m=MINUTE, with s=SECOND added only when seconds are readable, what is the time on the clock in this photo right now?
h=8 m=13
